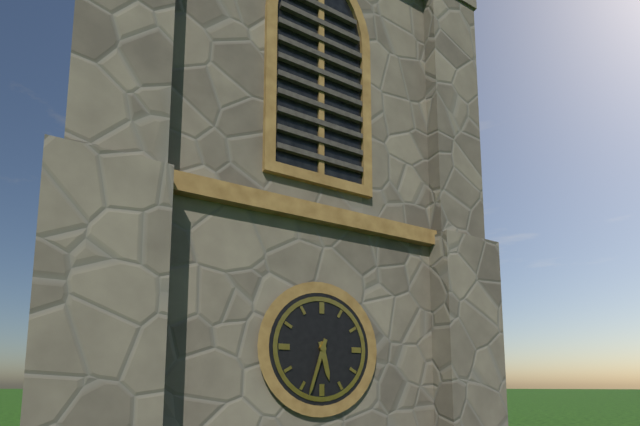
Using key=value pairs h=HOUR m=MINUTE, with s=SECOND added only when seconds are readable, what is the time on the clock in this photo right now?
h=5 m=33
